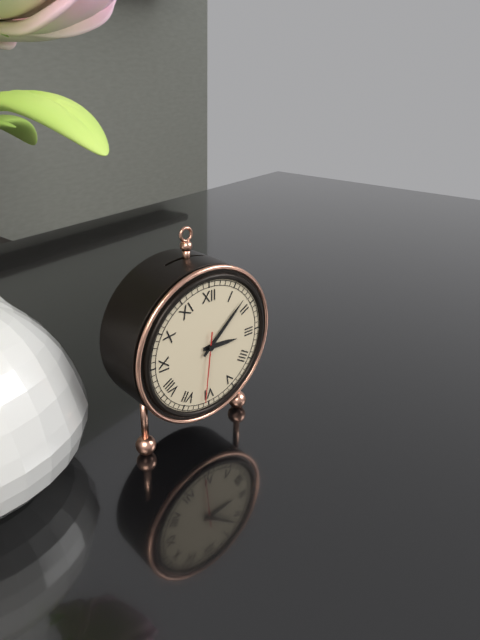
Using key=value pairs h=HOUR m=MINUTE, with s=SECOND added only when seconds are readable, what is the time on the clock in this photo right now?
h=3 m=8 s=31
